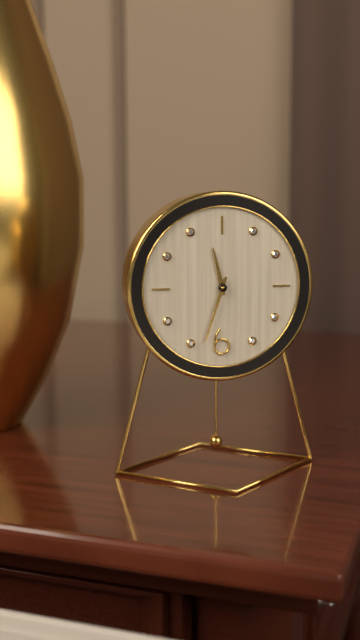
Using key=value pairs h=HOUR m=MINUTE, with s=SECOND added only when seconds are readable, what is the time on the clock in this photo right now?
h=11 m=33
